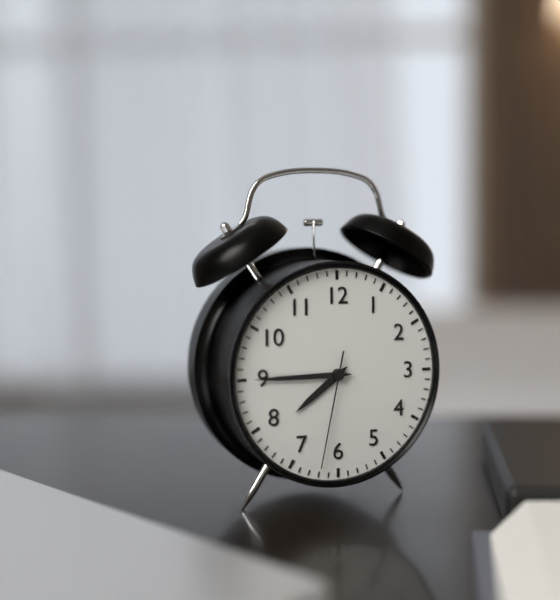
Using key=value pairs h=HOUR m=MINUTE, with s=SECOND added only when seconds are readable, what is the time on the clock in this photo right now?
h=7 m=45 s=32
